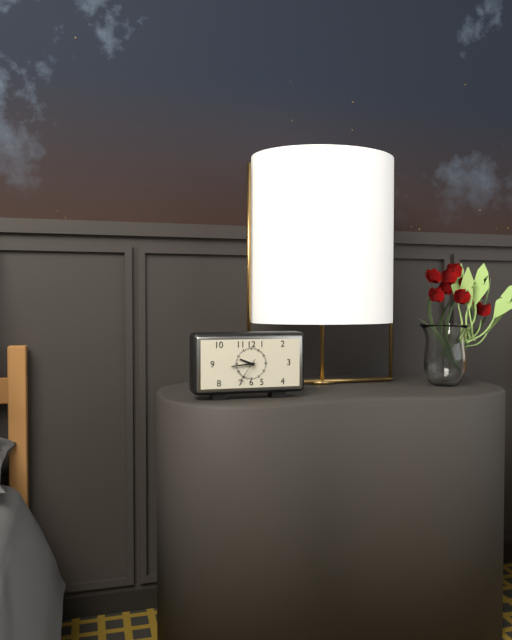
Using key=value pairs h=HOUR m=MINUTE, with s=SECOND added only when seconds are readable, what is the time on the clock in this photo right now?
h=9 m=44
